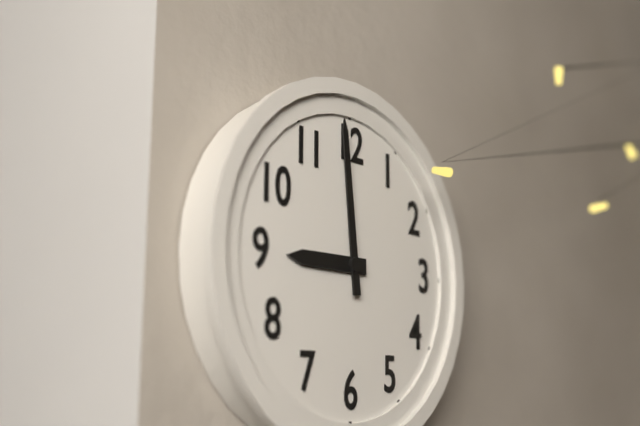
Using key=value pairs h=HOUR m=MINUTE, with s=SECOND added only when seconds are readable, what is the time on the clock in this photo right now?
h=8 m=59
